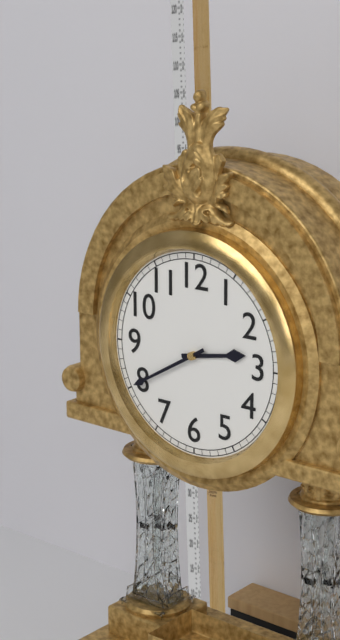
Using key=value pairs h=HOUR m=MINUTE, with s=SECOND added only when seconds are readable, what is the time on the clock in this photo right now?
h=2 m=40
